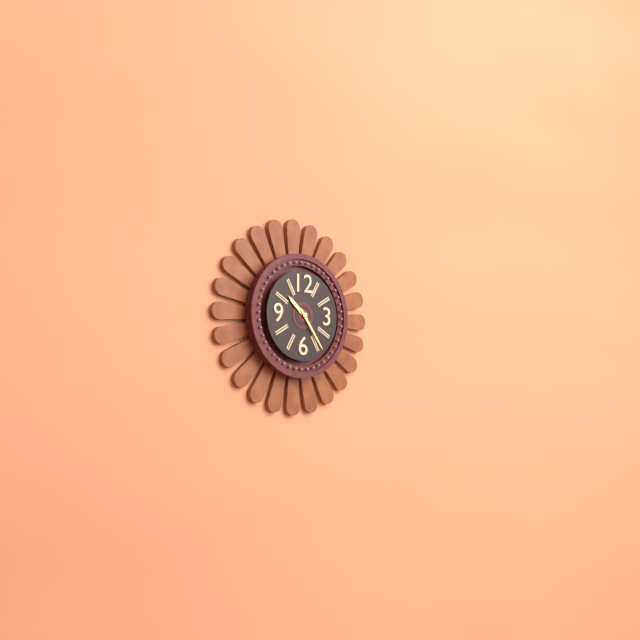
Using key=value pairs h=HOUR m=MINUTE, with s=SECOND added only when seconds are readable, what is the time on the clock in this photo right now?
h=10 m=24
